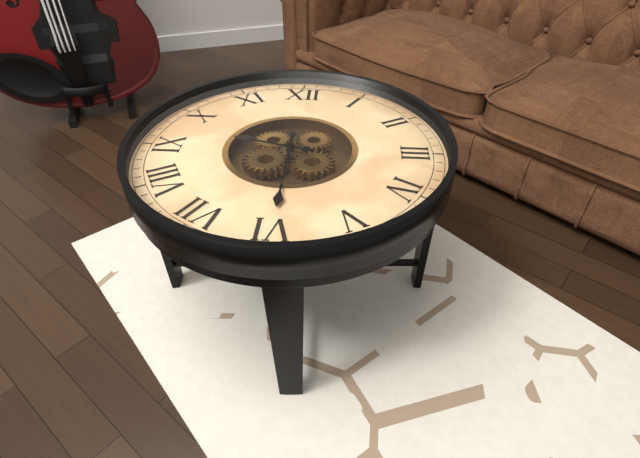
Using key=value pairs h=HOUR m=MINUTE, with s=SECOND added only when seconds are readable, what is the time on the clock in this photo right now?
h=9 m=30
